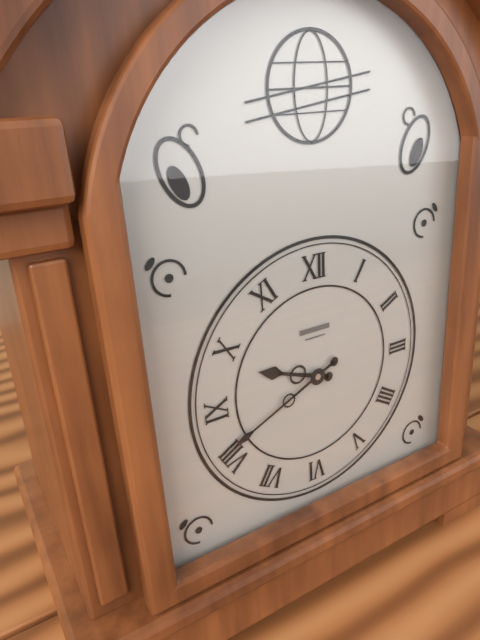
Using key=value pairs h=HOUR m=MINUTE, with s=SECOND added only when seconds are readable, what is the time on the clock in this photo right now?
h=9 m=41
